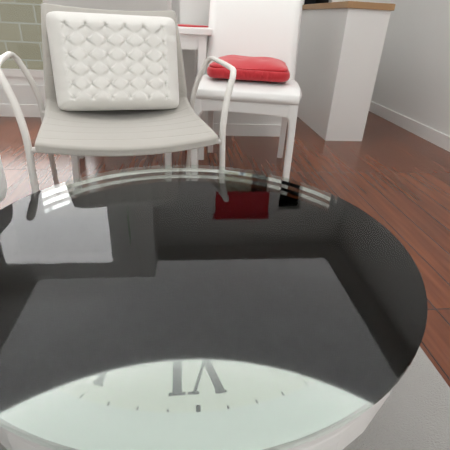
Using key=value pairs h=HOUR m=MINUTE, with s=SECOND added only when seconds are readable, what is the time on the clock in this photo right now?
h=6 m=41
